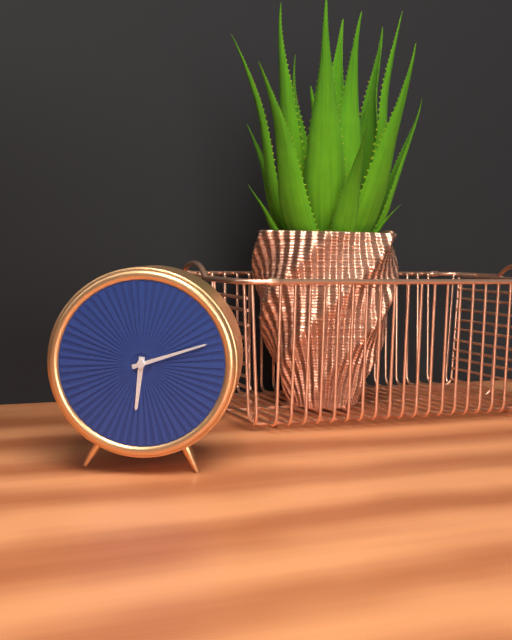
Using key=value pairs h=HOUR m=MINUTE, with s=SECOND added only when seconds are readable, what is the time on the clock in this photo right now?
h=6 m=12
